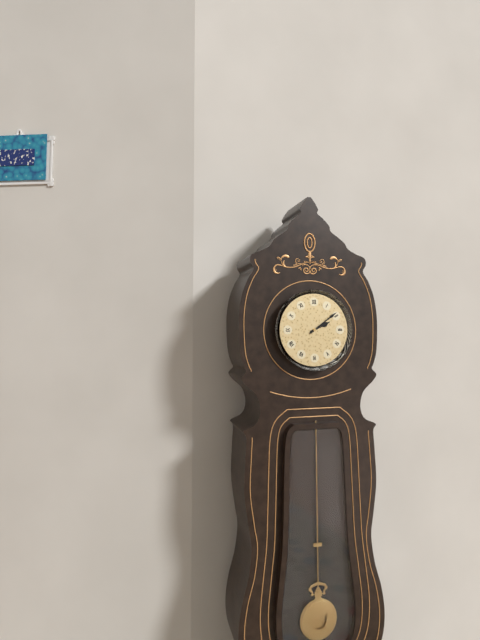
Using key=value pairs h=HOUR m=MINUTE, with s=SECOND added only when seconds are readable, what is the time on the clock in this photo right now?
h=2 m=9
